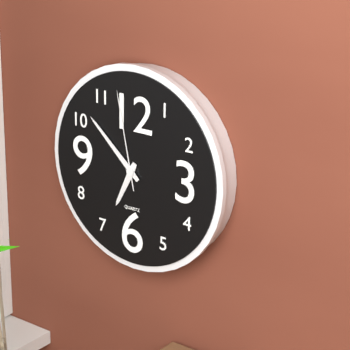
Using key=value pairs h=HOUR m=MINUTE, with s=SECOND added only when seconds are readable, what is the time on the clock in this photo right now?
h=6 m=52 s=58
